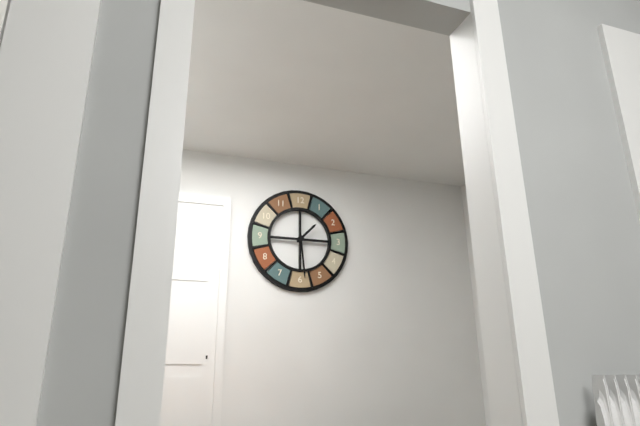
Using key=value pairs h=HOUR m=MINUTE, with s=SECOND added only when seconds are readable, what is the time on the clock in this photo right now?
h=1 m=29
